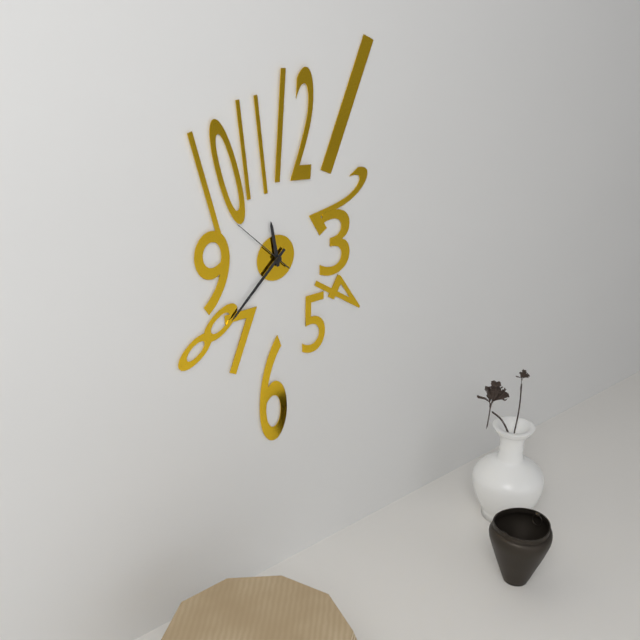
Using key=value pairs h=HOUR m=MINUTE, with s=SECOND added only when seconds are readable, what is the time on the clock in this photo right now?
h=11 m=38 s=52
